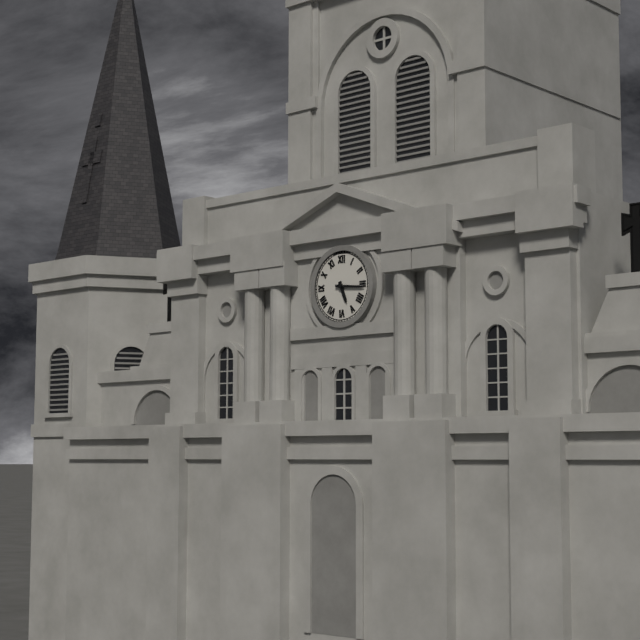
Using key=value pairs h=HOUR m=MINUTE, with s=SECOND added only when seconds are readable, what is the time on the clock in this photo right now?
h=5 m=16
